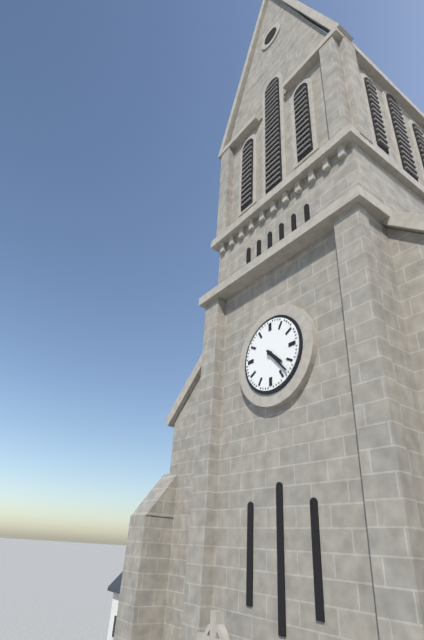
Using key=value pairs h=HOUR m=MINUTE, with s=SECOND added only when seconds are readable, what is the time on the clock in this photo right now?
h=4 m=23
